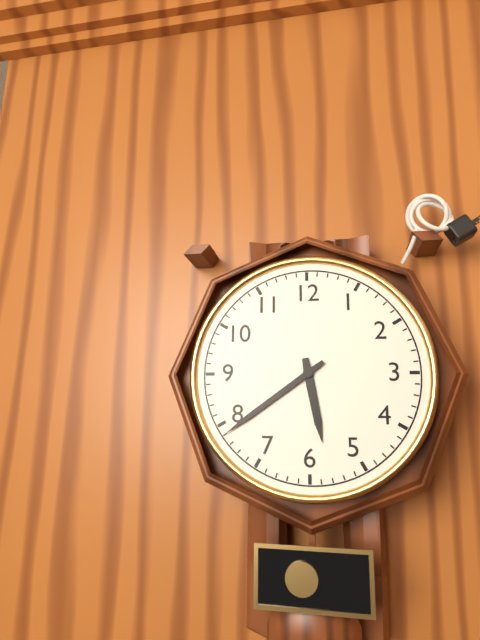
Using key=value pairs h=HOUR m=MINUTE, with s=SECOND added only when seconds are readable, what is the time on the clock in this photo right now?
h=5 m=39
